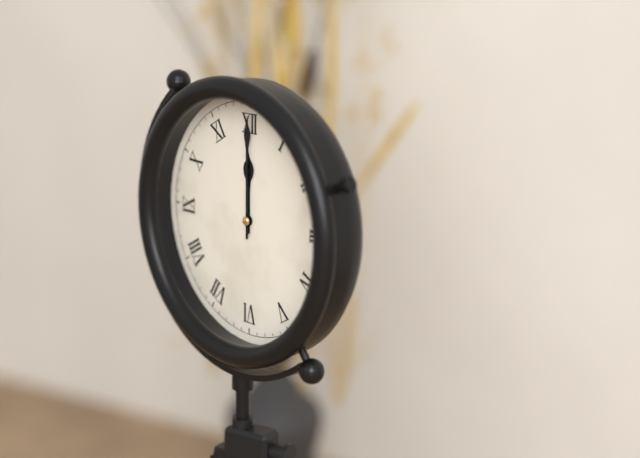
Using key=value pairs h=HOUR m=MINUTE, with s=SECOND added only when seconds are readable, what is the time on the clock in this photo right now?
h=12 m=0
